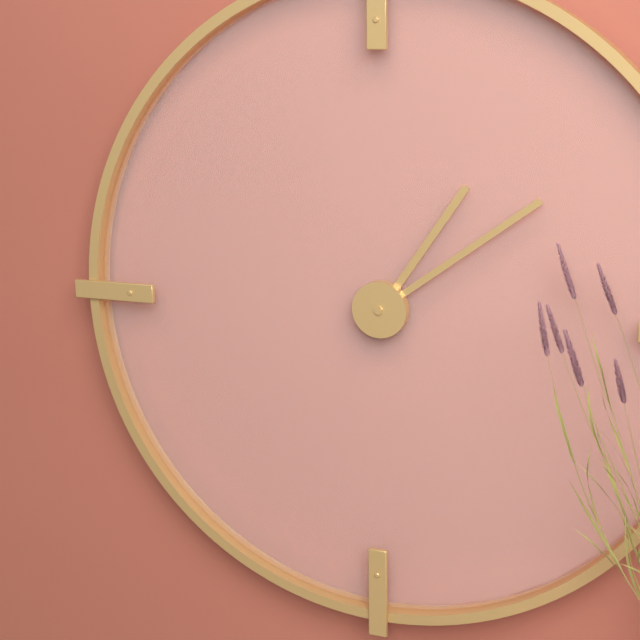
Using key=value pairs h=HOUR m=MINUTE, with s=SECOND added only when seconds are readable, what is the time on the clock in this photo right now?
h=1 m=9
